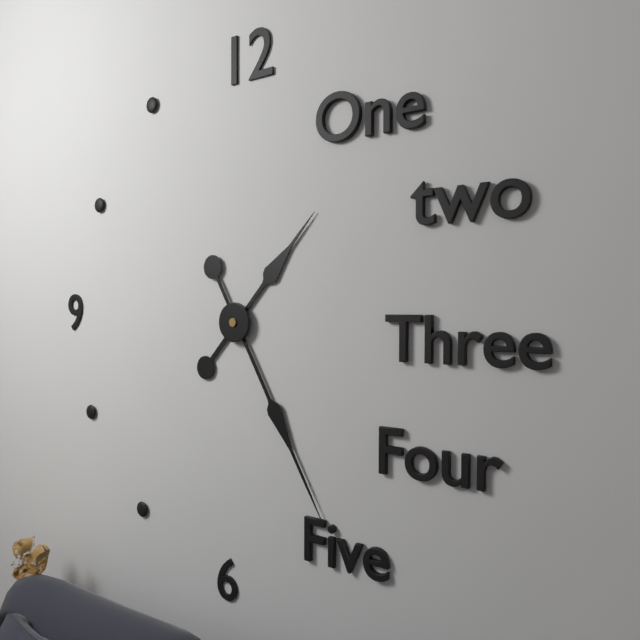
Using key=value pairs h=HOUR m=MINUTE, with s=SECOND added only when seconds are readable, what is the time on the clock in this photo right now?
h=1 m=25
